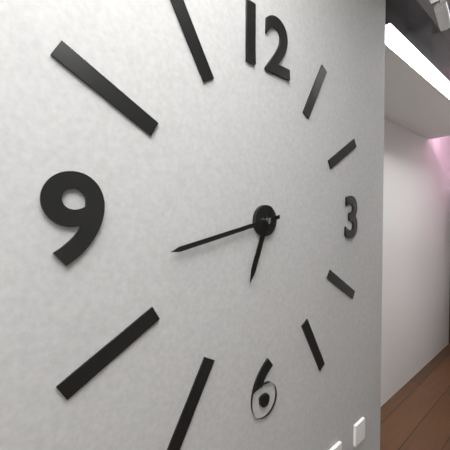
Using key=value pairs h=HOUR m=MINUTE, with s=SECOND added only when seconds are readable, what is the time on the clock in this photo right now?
h=6 m=43
